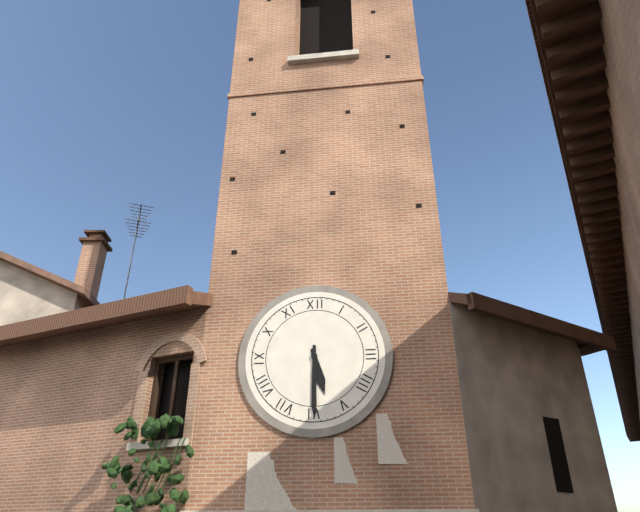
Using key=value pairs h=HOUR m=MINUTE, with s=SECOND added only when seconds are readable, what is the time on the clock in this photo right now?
h=5 m=30
